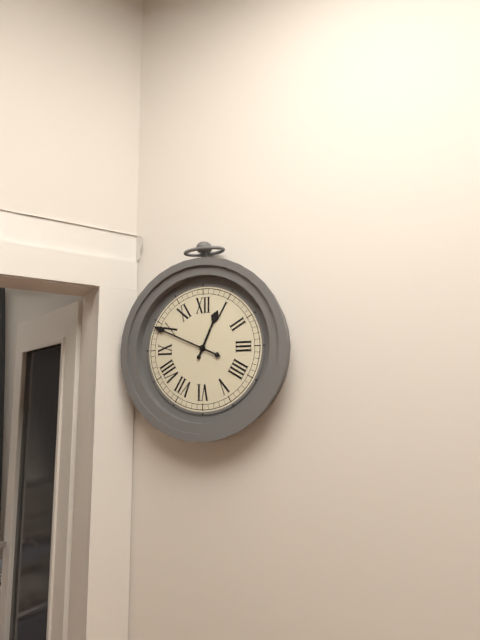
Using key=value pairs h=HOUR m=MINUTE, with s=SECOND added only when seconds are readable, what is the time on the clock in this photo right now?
h=12 m=49
